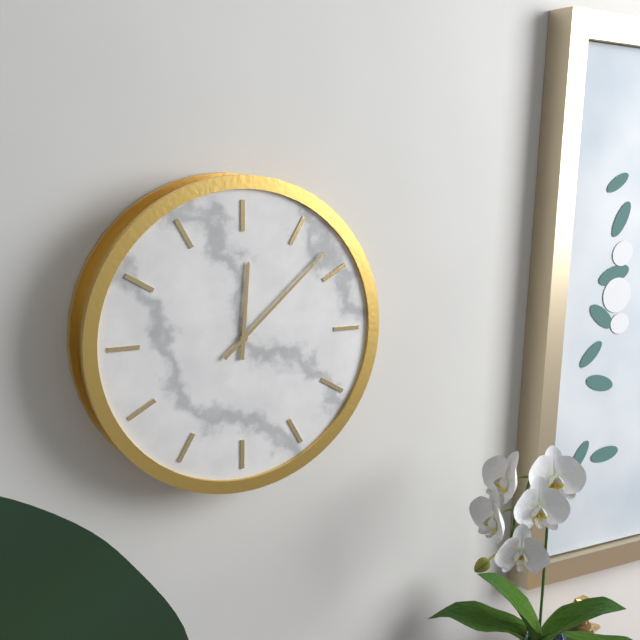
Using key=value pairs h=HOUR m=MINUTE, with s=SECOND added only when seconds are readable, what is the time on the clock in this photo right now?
h=12 m=8
